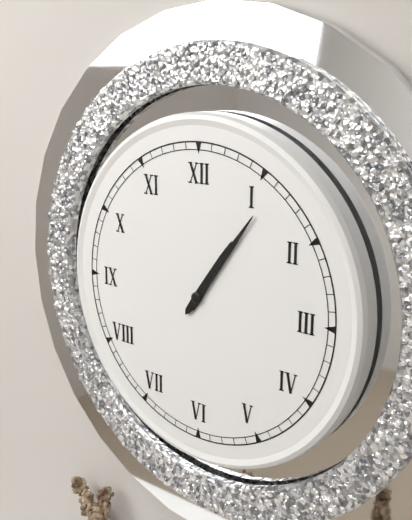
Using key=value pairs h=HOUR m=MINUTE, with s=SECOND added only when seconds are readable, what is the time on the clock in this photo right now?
h=1 m=6
